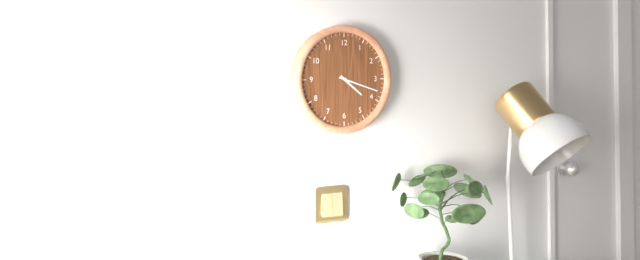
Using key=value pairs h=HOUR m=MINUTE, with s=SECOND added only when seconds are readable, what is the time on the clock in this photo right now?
h=4 m=18
